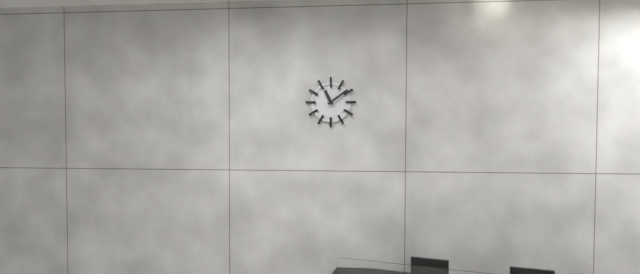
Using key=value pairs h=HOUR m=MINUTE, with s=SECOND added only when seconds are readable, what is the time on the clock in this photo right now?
h=11 m=9
